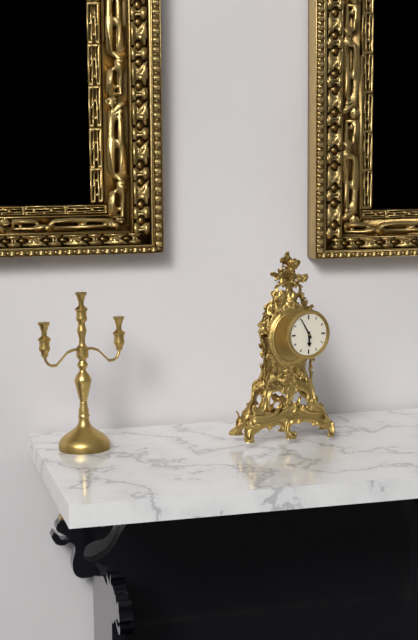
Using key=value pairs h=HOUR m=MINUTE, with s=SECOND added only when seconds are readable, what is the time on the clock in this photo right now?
h=5 m=55
